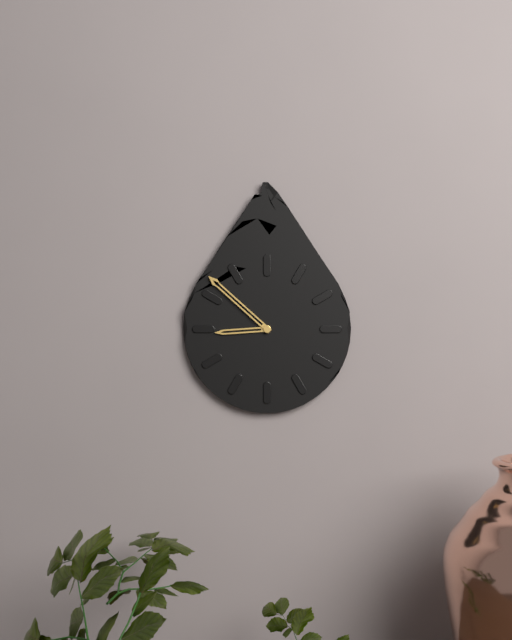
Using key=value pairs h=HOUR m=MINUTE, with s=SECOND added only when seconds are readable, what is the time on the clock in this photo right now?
h=8 m=52
